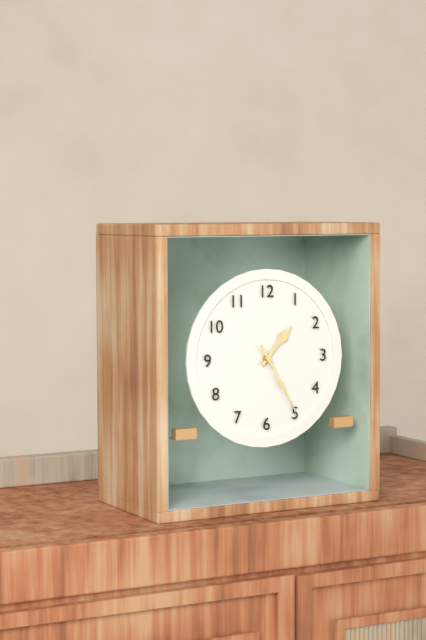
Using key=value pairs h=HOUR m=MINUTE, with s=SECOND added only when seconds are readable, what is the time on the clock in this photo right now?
h=1 m=25
